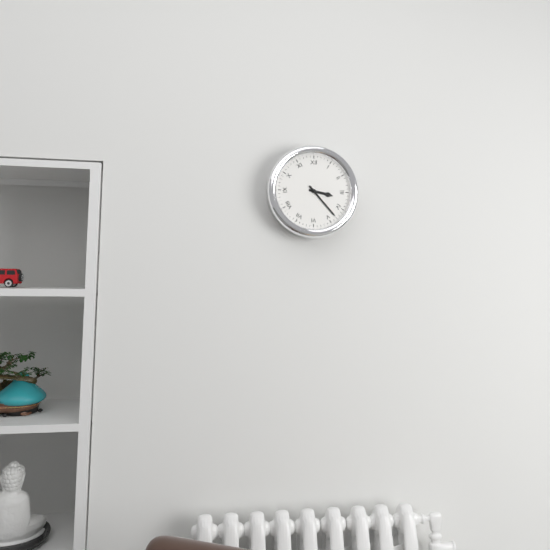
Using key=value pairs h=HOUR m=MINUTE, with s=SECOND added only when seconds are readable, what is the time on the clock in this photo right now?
h=3 m=23
